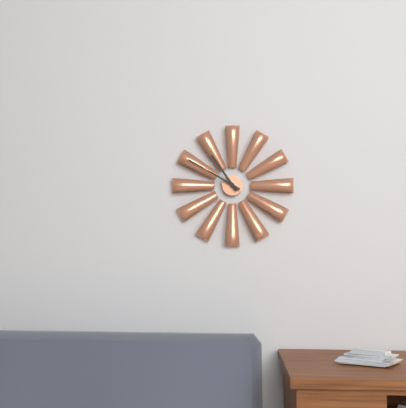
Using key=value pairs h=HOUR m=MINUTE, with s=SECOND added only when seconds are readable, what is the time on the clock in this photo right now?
h=10 m=50
